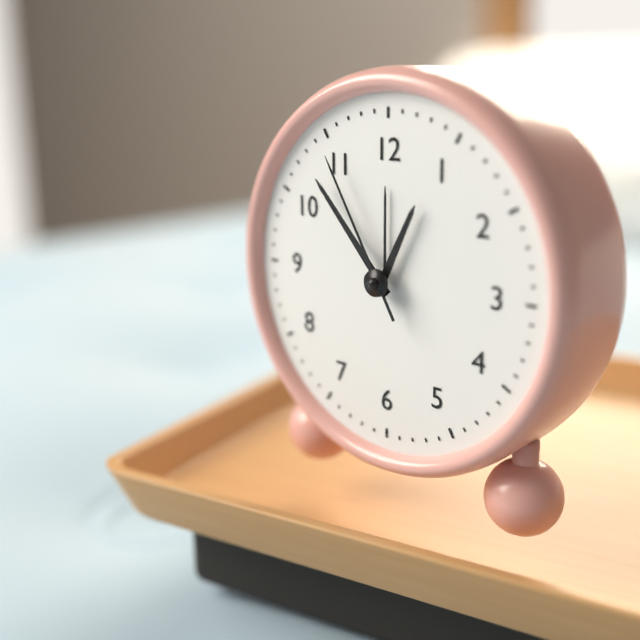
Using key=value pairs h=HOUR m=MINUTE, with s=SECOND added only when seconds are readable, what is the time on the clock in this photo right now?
h=12 m=53 s=55
